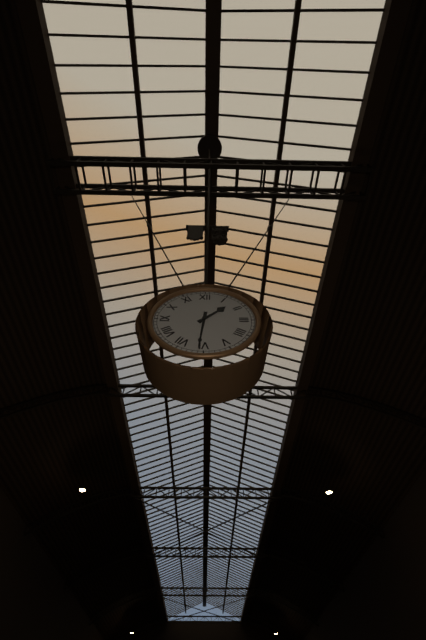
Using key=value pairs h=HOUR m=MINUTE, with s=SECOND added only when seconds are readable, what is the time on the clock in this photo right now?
h=1 m=31
